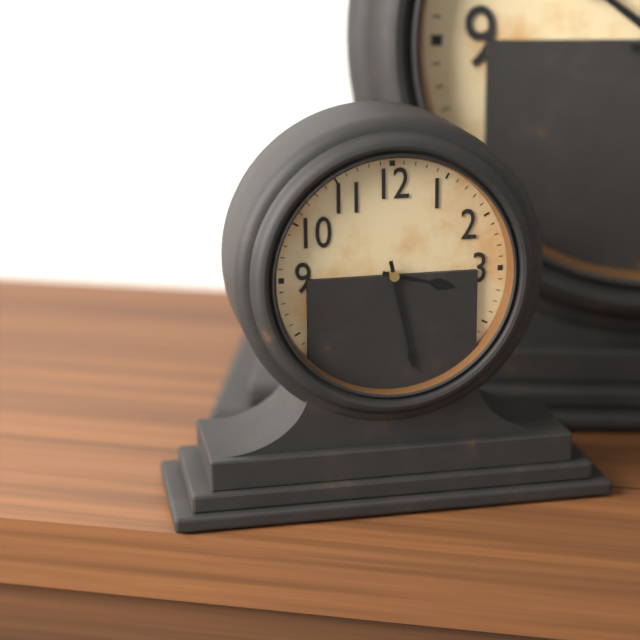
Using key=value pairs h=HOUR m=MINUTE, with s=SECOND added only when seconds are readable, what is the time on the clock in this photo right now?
h=3 m=28
